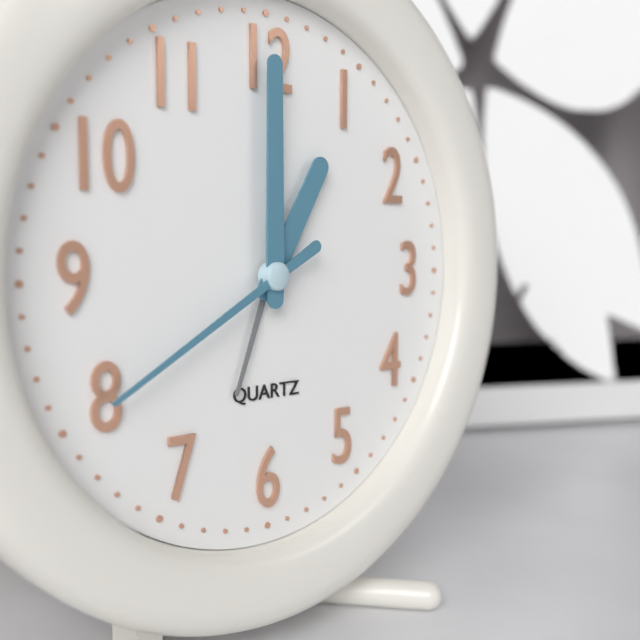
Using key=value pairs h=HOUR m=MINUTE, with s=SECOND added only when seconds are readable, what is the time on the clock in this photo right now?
h=1 m=0 s=40
